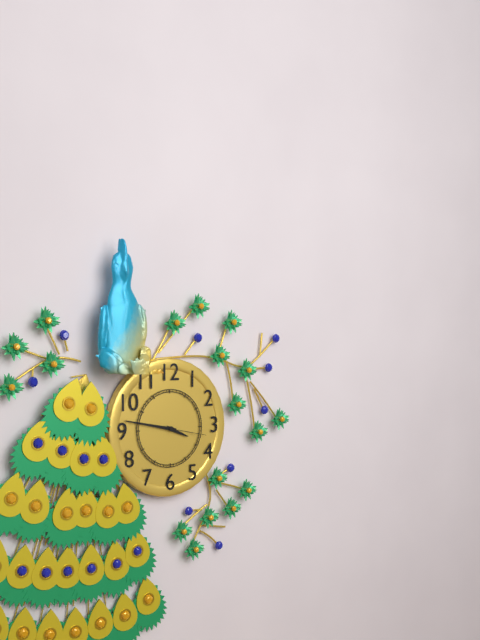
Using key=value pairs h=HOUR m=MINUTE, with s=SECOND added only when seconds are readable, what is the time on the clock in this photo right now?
h=3 m=47 s=17
